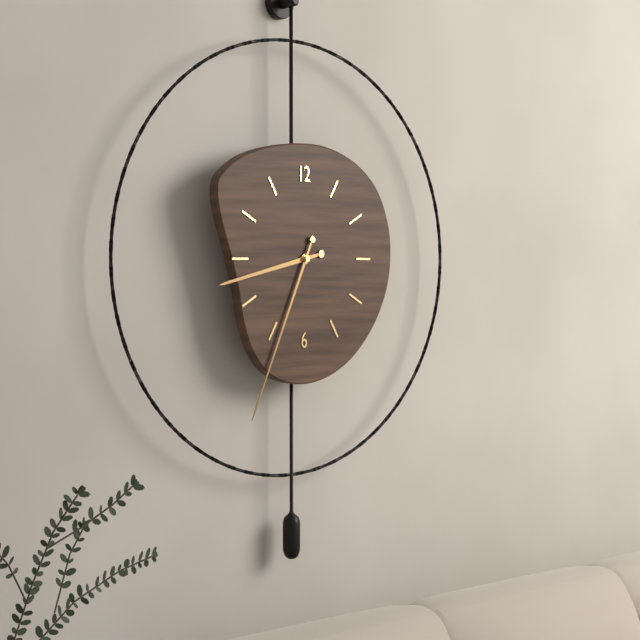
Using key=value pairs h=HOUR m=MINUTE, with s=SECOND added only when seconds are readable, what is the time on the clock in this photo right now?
h=8 m=34
